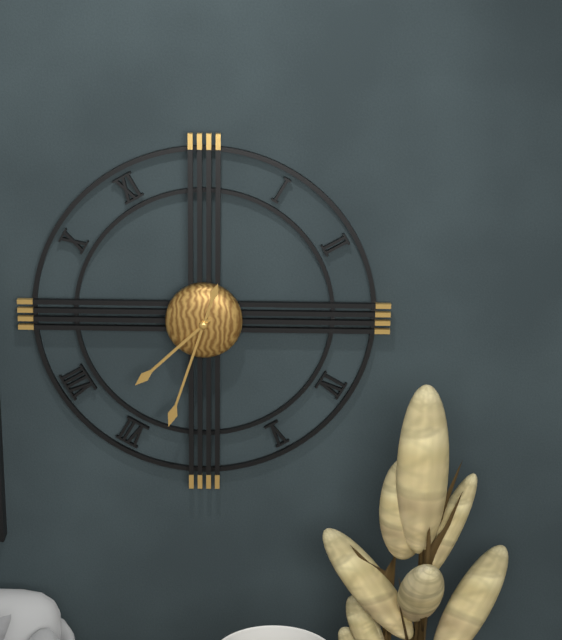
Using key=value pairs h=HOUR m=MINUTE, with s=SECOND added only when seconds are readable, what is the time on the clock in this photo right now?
h=7 m=33
